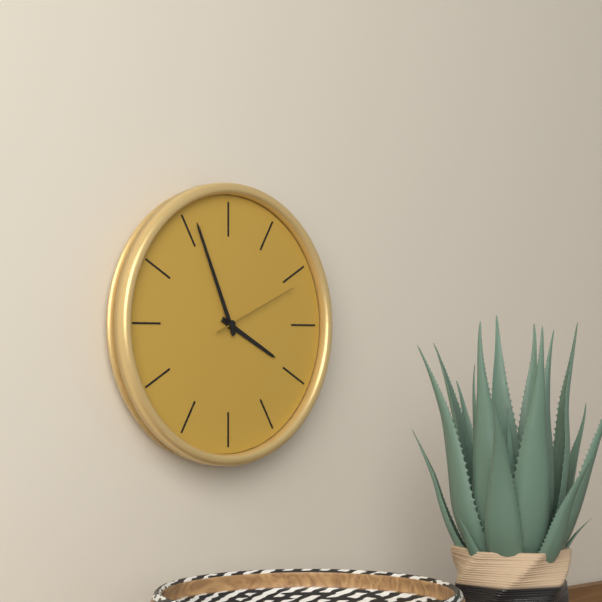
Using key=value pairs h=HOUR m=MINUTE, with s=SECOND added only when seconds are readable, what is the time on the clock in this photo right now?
h=3 m=56 s=11
